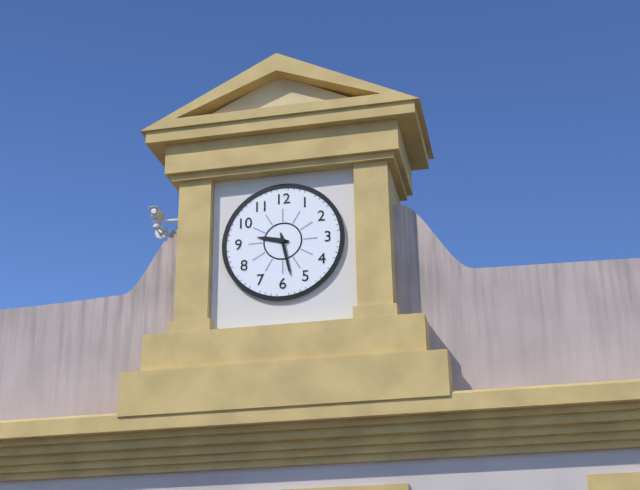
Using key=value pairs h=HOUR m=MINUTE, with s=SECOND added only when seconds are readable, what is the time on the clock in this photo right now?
h=9 m=28
